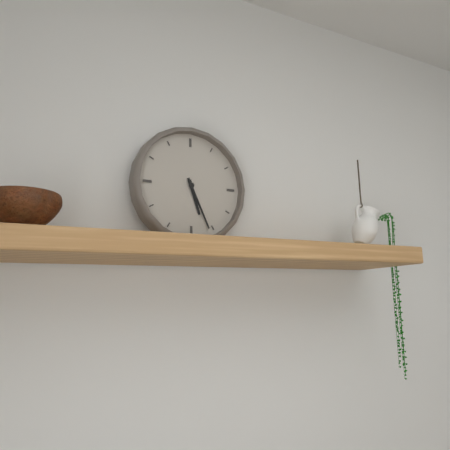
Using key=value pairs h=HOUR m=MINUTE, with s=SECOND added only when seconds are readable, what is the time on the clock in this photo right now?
h=5 m=26
